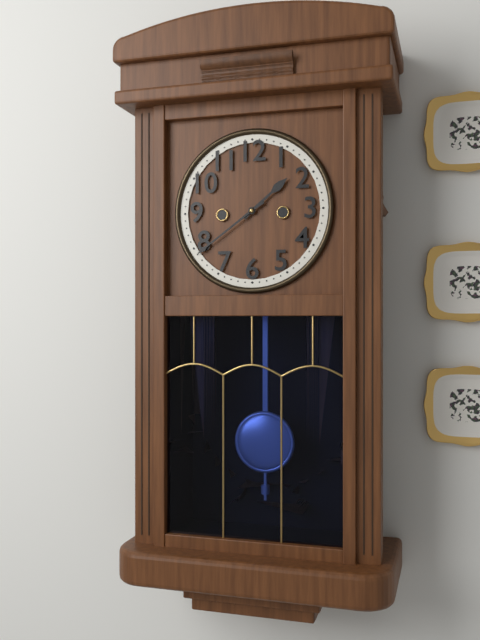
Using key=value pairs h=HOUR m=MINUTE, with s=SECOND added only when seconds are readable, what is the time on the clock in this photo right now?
h=1 m=39
